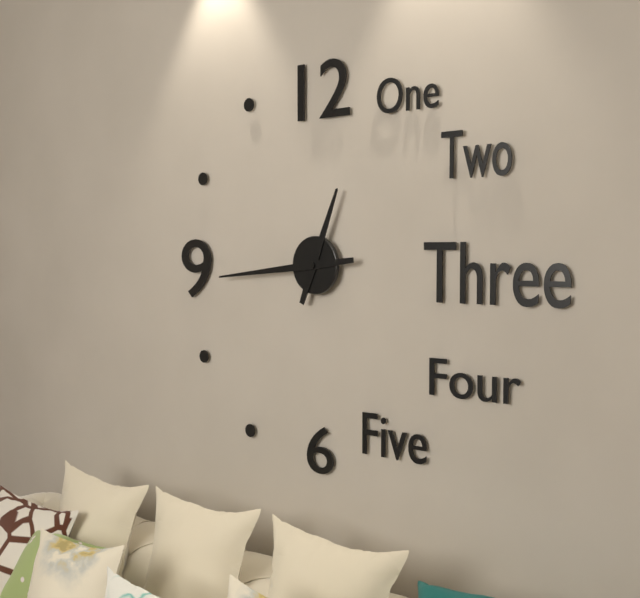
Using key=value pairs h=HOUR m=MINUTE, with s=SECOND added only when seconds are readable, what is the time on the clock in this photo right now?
h=12 m=44
